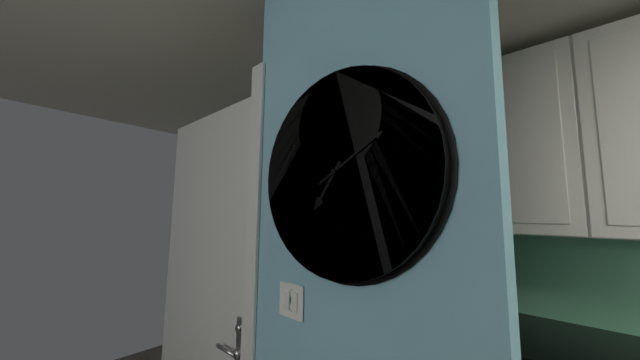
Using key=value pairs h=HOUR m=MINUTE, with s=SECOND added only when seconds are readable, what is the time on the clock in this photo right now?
h=7 m=10
